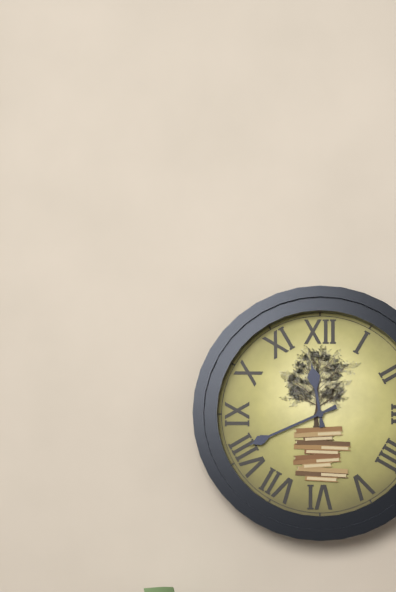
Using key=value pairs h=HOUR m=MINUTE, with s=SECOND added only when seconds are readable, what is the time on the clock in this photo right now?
h=11 m=41
